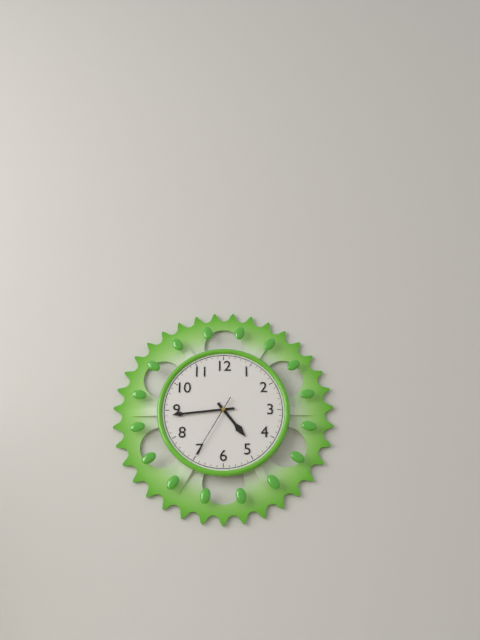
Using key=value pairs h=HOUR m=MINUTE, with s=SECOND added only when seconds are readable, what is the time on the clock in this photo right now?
h=4 m=44 s=35
